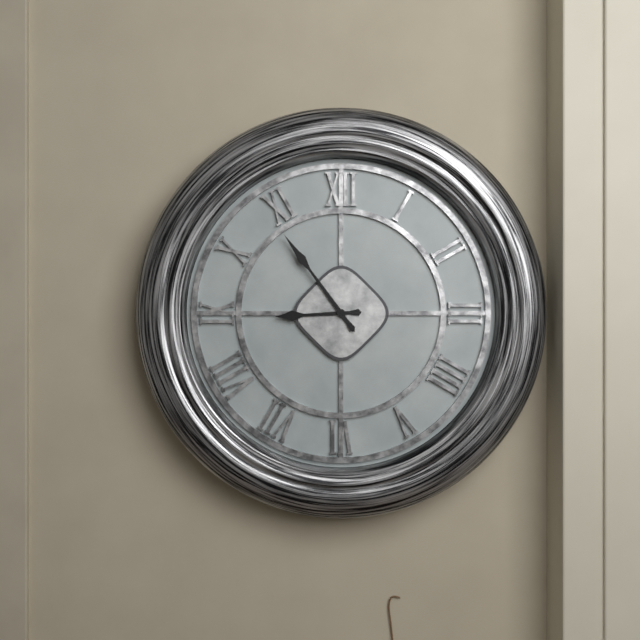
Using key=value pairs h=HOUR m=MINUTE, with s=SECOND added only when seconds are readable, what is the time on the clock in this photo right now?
h=8 m=54
